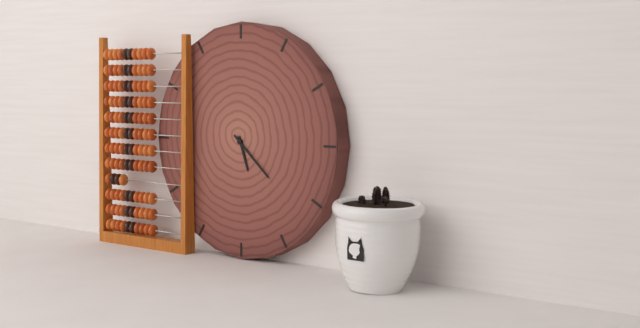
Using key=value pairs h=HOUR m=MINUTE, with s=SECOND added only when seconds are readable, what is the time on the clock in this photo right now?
h=5 m=22
